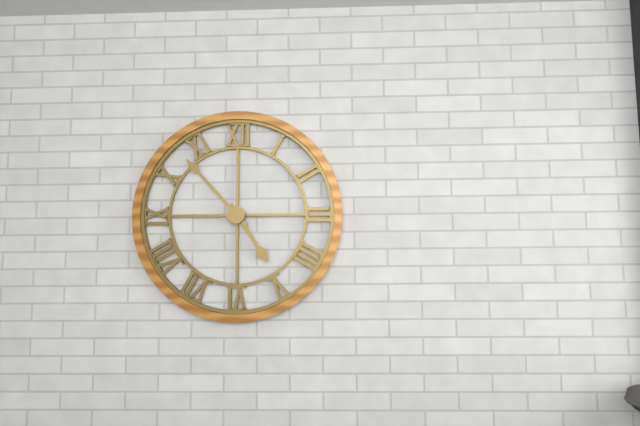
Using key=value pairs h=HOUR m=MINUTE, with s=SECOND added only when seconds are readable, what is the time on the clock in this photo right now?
h=4 m=53
